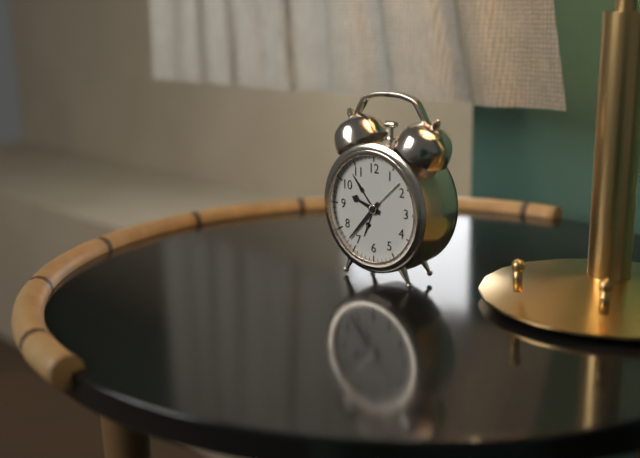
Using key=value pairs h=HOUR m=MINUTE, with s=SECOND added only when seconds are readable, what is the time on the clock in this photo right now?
h=9 m=37
